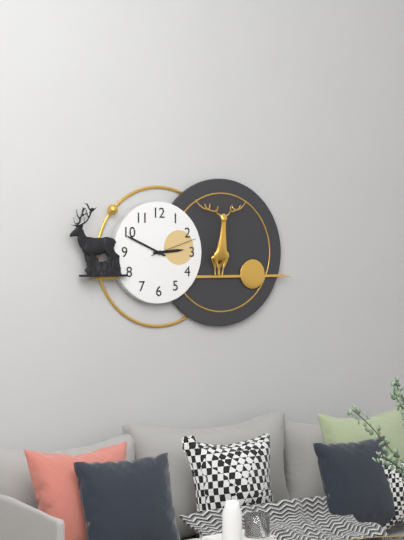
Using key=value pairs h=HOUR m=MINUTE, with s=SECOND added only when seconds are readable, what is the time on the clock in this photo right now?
h=2 m=49
